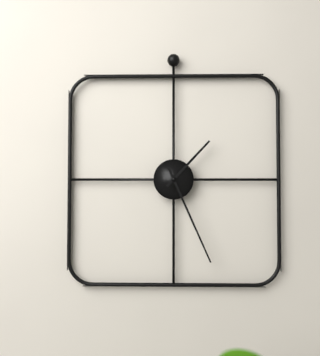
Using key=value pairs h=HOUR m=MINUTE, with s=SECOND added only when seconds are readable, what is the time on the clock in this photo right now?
h=1 m=26
